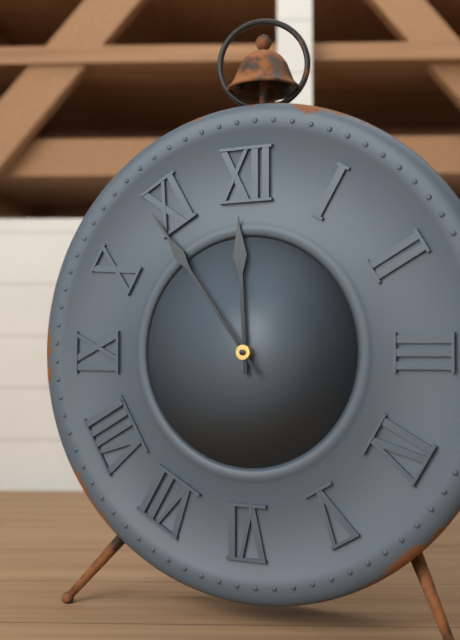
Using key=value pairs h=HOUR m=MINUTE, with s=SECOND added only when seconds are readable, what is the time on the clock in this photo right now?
h=11 m=54
